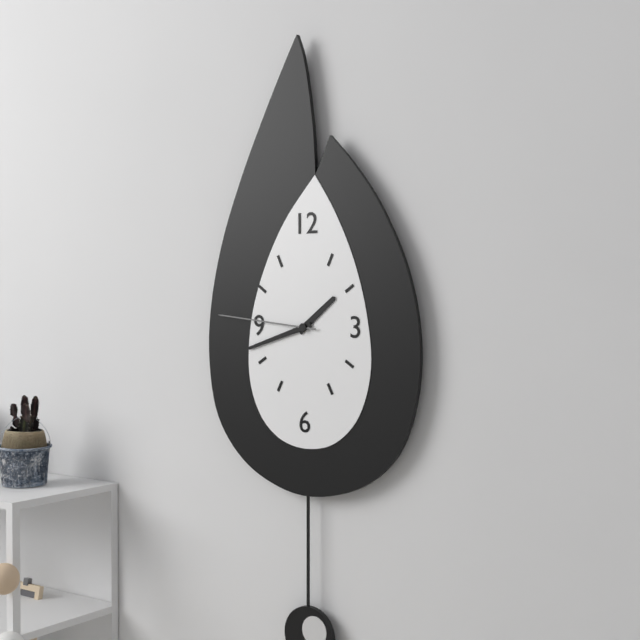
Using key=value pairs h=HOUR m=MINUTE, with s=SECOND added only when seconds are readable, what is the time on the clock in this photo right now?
h=1 m=42 s=46
